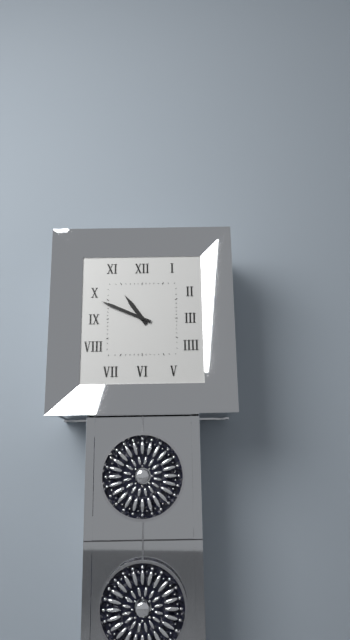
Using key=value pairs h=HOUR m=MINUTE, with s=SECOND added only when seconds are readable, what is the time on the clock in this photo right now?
h=10 m=49
